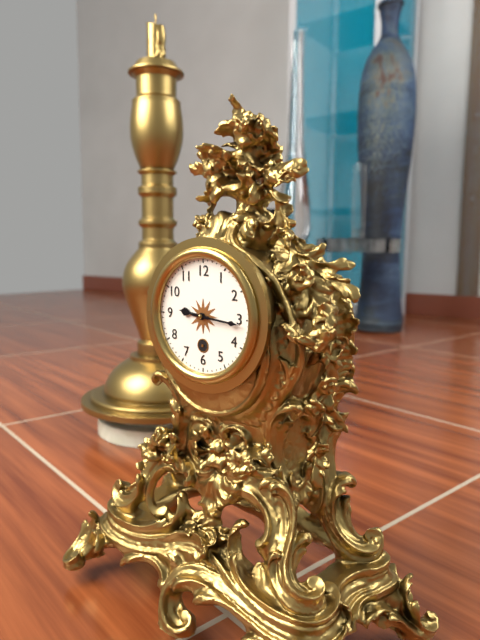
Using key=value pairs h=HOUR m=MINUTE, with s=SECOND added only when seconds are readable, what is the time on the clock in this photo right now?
h=9 m=16
